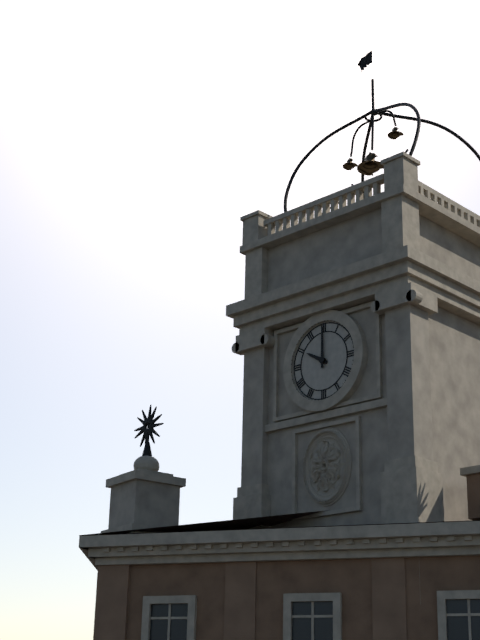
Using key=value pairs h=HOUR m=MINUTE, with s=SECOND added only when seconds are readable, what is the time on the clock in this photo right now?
h=10 m=0
